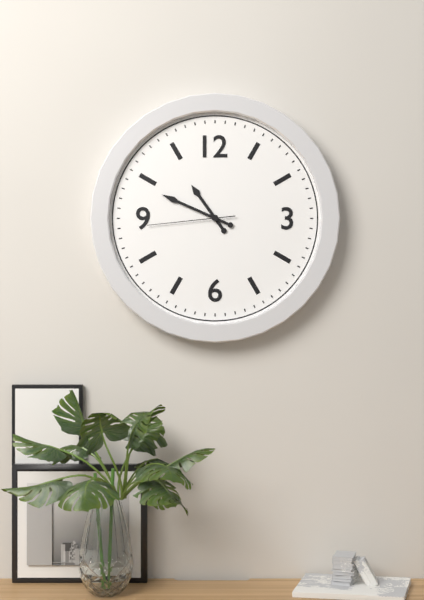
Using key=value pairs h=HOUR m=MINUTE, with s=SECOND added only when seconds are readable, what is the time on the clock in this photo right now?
h=10 m=49 s=44
